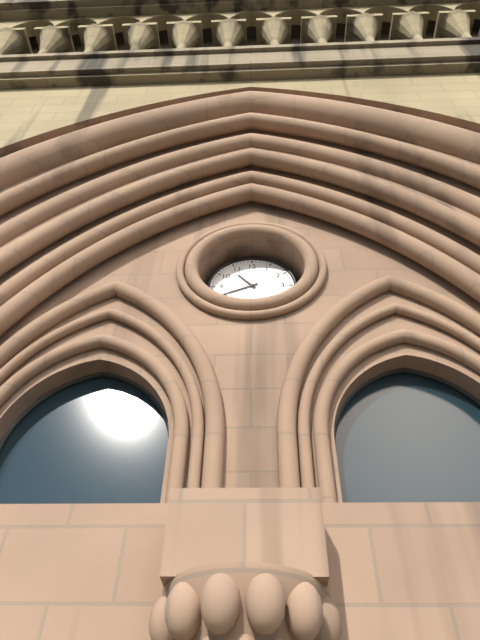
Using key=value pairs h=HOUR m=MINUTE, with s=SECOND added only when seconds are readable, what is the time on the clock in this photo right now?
h=10 m=41
